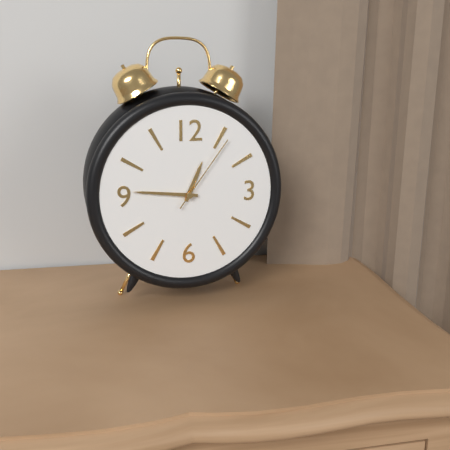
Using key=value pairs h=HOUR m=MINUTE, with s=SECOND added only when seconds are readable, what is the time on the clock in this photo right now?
h=12 m=46 s=6
